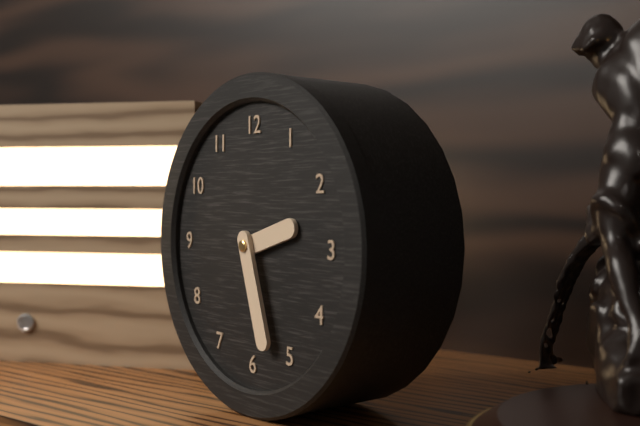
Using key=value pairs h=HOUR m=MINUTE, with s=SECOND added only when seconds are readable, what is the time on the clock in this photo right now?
h=2 m=27
